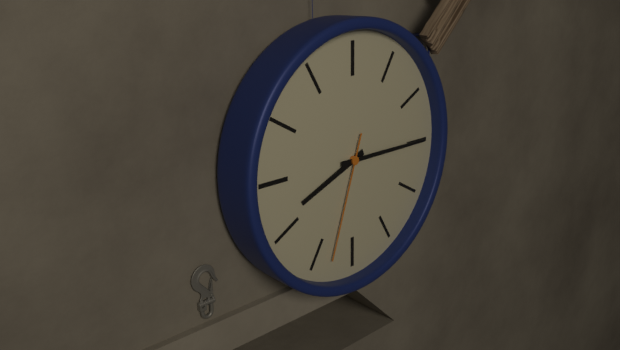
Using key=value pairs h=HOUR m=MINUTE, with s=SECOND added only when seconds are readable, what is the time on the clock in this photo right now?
h=8 m=15 s=33
